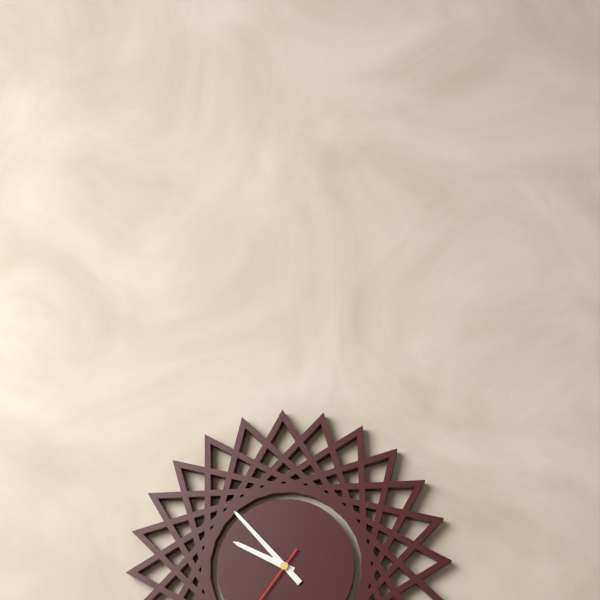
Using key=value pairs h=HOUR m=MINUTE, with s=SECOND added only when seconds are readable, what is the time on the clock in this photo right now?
h=9 m=53
